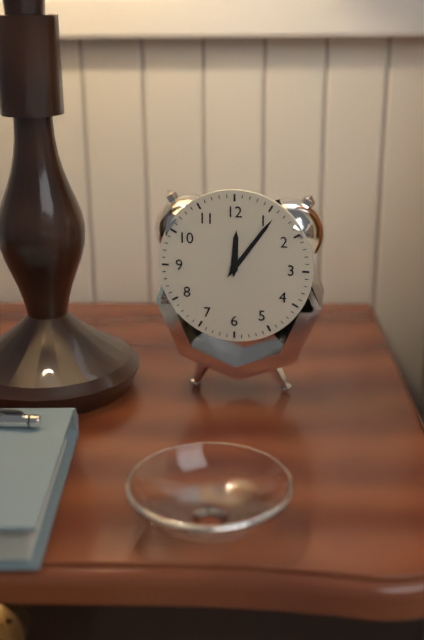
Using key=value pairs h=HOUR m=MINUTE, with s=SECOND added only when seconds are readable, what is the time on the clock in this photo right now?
h=12 m=6
